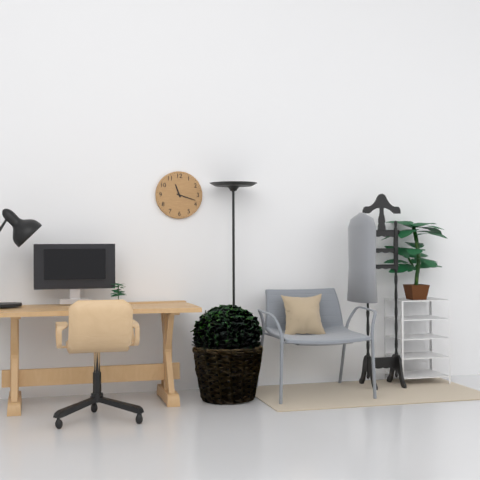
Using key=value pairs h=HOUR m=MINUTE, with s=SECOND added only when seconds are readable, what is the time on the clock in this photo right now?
h=11 m=18
